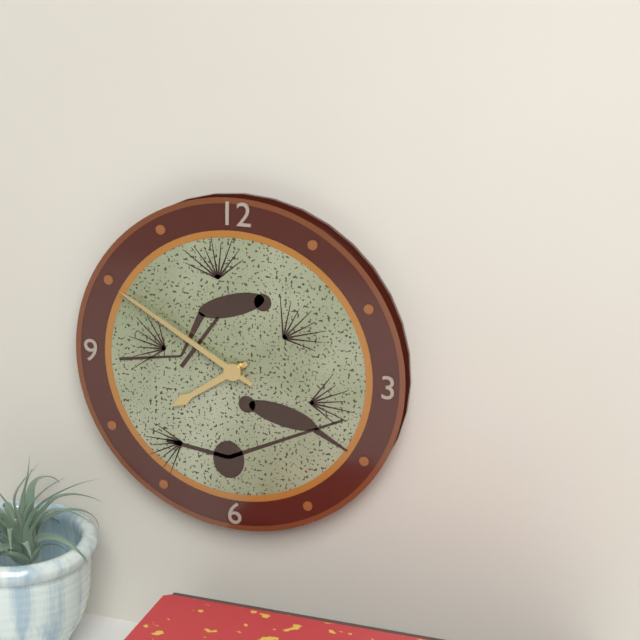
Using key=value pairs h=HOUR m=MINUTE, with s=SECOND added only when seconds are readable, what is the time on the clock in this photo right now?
h=7 m=50
